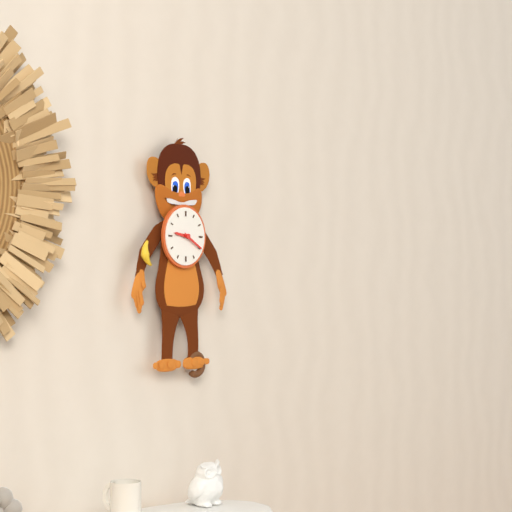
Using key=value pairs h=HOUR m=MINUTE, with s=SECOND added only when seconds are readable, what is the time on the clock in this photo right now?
h=9 m=20
